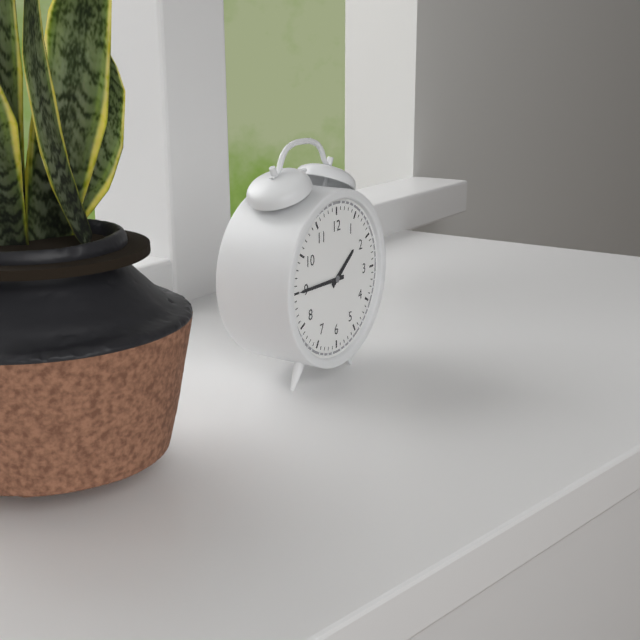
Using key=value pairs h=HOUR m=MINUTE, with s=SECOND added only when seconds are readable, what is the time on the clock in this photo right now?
h=1 m=45
